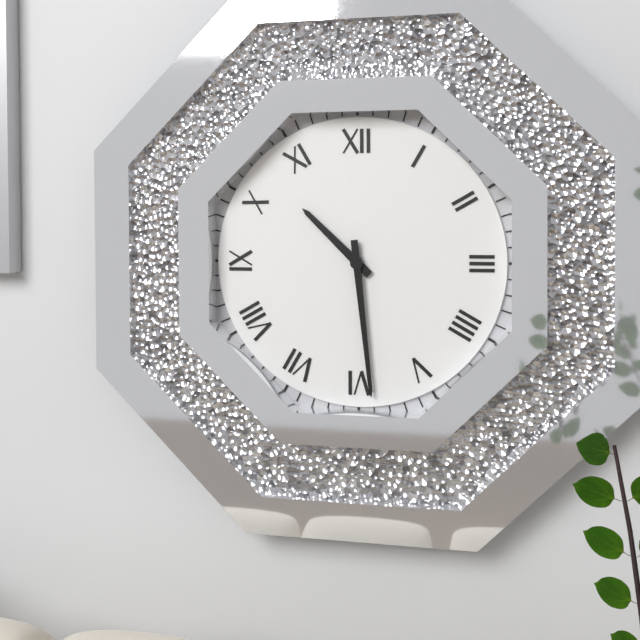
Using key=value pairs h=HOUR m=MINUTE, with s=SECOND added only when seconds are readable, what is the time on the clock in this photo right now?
h=10 m=29
